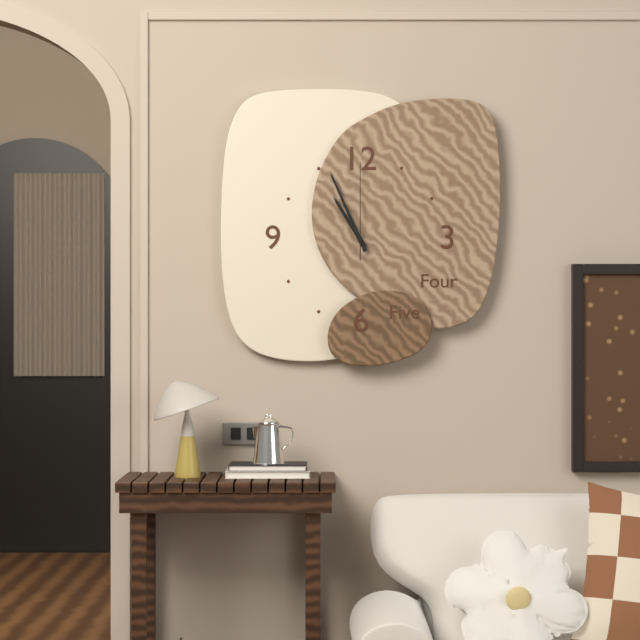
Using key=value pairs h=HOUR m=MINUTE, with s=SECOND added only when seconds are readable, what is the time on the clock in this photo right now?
h=10 m=56 s=0
